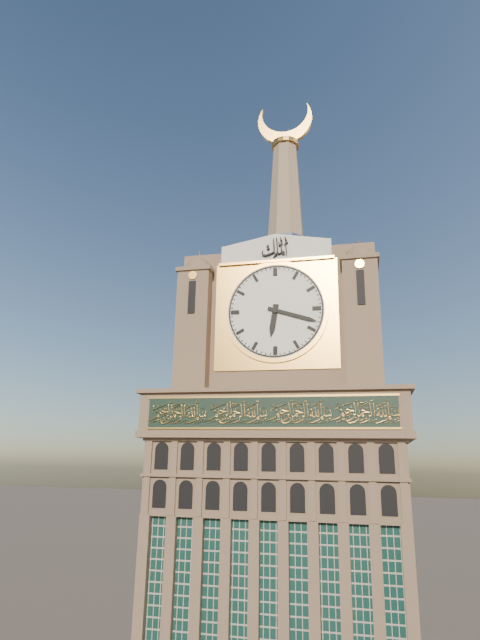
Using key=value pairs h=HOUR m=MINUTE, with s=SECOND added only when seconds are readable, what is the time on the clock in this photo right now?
h=6 m=18
